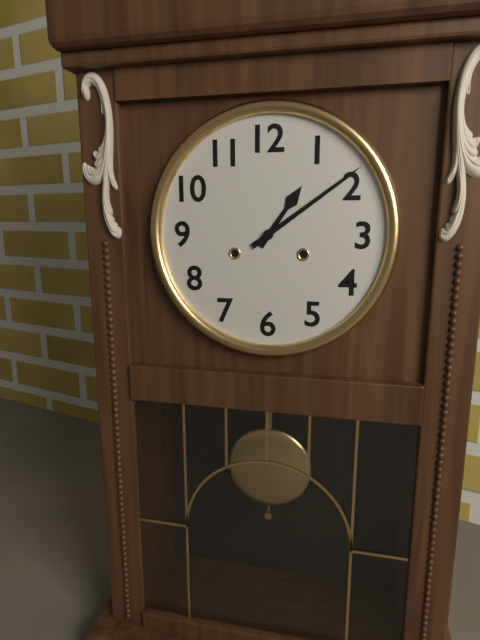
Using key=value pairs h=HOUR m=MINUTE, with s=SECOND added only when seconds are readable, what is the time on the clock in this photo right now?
h=1 m=9
